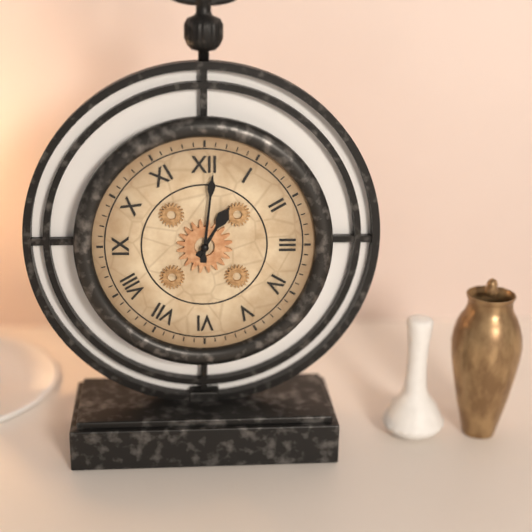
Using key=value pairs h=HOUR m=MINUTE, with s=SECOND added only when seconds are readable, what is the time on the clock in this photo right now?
h=1 m=1
